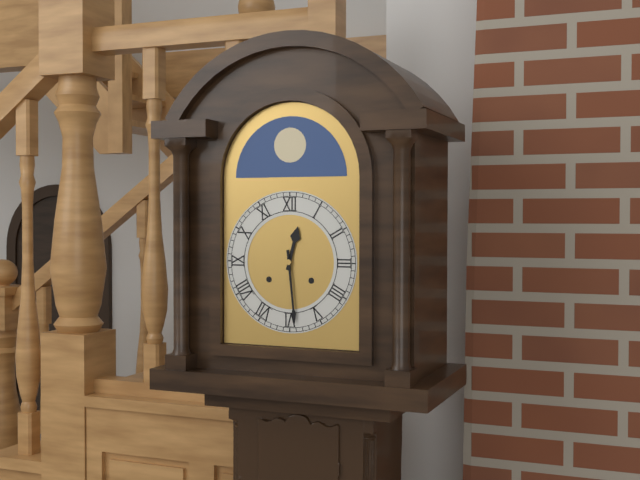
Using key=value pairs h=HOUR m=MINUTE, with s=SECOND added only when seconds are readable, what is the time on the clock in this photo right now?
h=12 m=29
